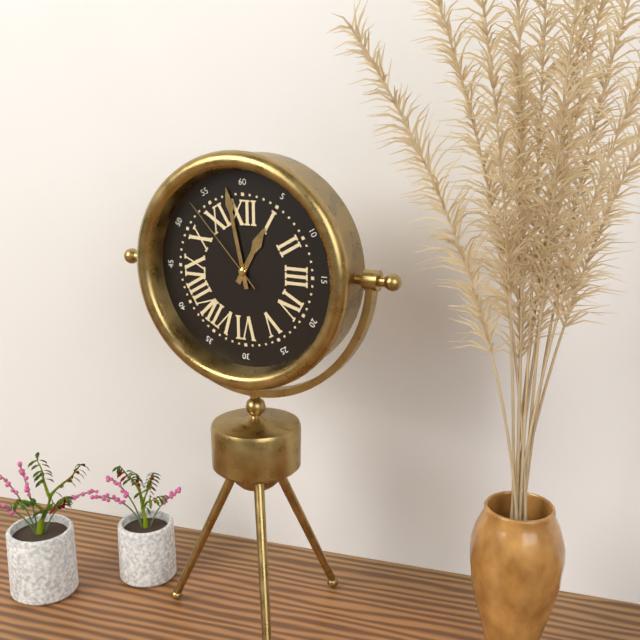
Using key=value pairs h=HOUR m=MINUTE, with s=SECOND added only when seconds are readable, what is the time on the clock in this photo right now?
h=12 m=58 s=53
